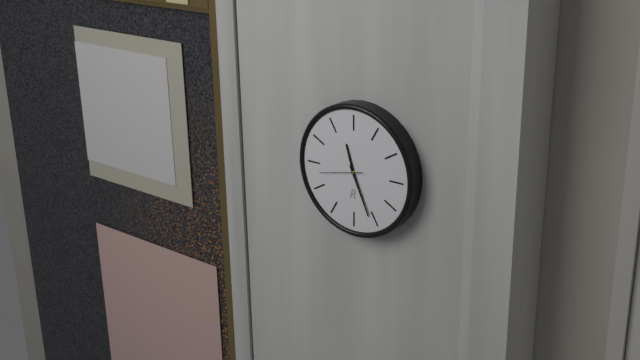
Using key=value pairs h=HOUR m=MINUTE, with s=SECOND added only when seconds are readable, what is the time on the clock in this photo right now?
h=11 m=26 s=43
